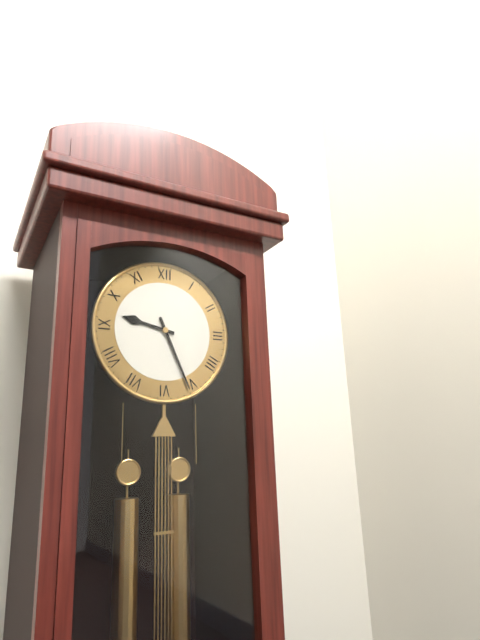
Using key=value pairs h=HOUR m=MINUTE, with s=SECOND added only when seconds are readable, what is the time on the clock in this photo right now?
h=9 m=26
